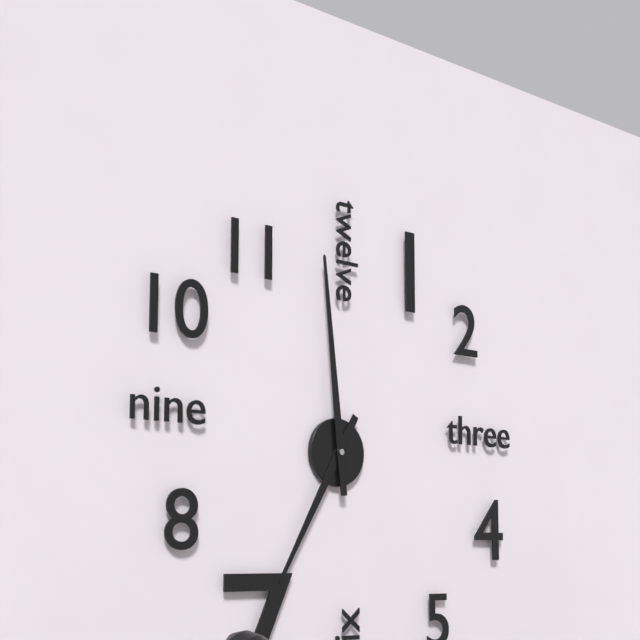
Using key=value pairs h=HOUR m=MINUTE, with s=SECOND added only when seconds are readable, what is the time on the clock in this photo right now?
h=6 m=59
